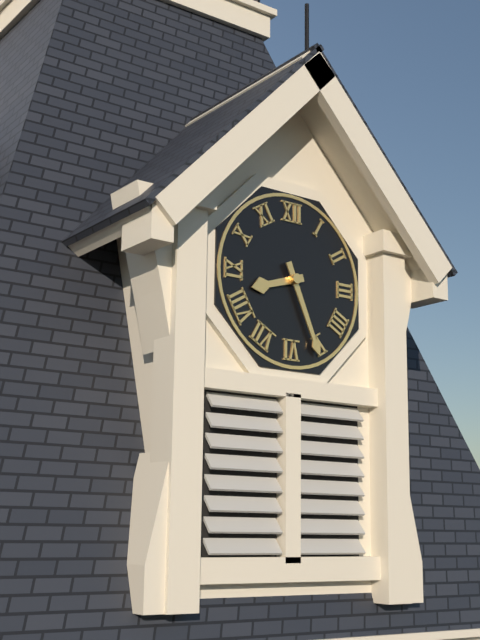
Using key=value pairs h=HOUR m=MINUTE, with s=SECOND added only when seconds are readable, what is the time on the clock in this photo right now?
h=8 m=26
